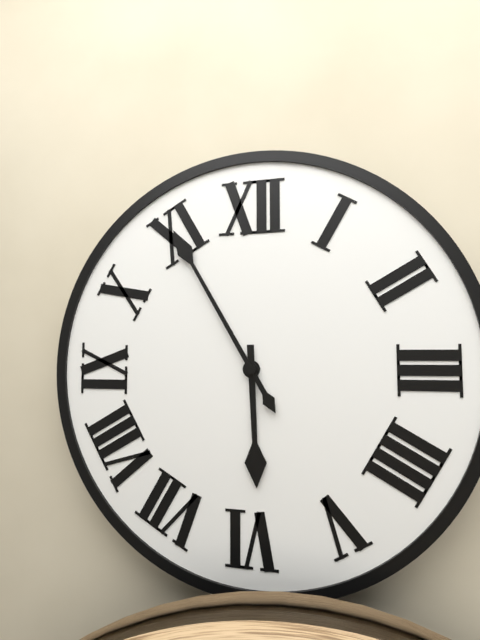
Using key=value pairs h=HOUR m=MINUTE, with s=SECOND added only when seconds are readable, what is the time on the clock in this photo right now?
h=5 m=55
